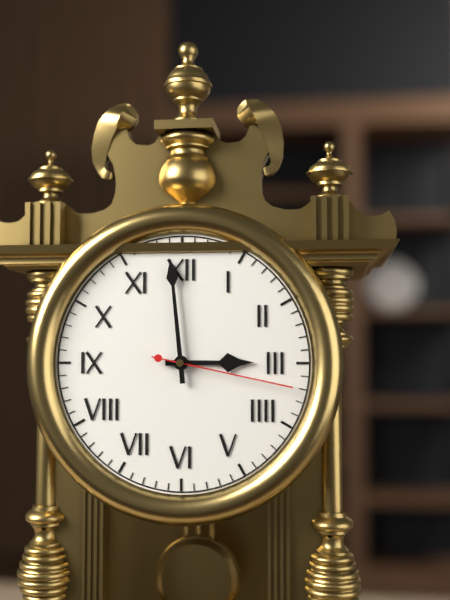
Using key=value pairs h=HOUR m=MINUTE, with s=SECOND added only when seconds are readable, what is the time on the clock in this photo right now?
h=2 m=59 s=17
